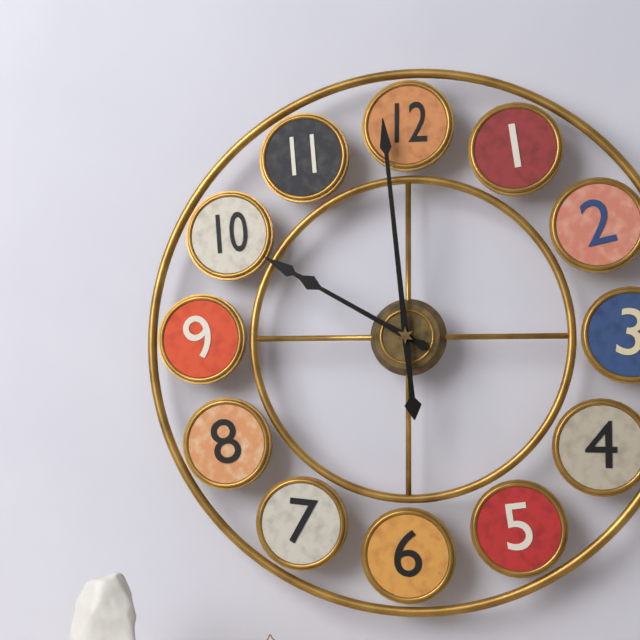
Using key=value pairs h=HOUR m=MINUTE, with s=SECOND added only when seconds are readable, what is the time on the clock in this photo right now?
h=9 m=59
